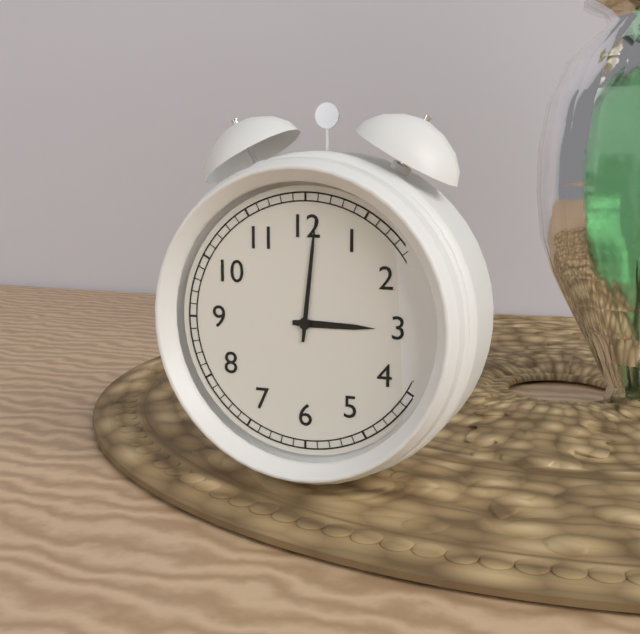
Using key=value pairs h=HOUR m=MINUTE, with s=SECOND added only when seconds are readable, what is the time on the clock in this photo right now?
h=3 m=1
